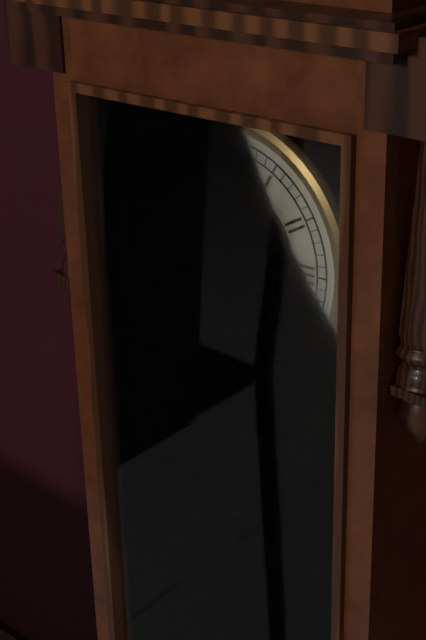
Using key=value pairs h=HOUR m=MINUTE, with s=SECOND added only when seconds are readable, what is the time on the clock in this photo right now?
h=12 m=2
